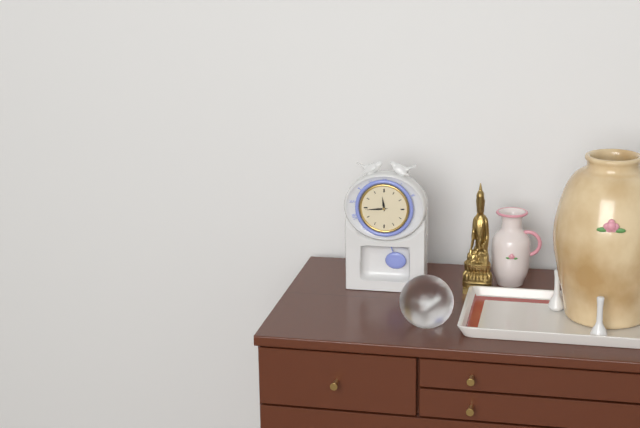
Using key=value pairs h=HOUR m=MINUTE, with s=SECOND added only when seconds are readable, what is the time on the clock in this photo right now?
h=11 m=44
